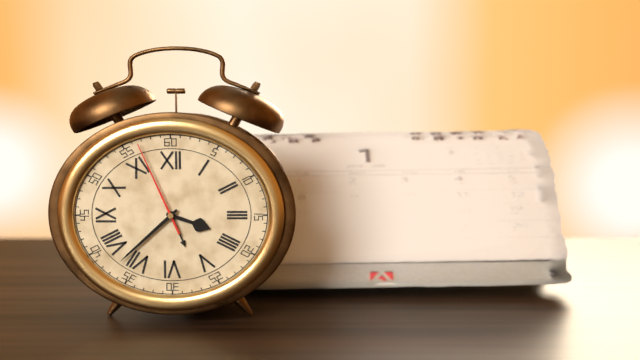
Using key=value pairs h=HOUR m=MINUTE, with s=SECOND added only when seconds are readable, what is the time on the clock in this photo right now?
h=3 m=38 s=56
